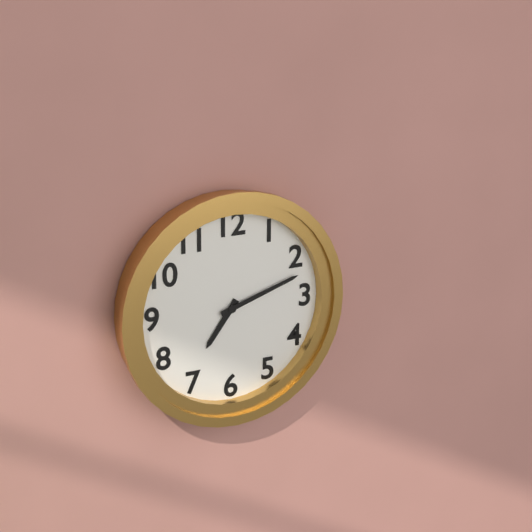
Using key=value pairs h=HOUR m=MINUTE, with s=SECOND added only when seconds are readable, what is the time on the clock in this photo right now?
h=7 m=12
